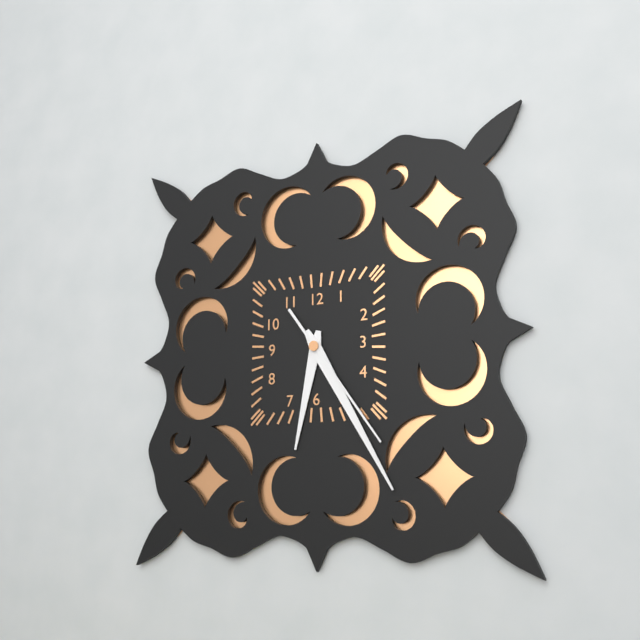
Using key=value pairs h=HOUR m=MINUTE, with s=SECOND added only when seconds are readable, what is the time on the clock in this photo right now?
h=6 m=25 s=24
